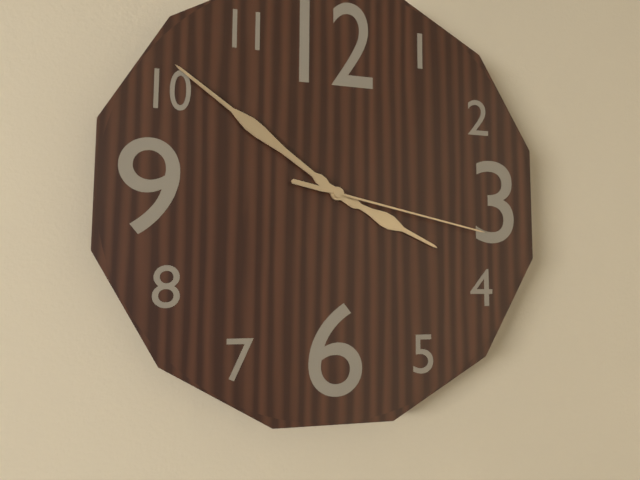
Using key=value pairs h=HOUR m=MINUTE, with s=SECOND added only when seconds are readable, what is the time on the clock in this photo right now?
h=3 m=51 s=17
